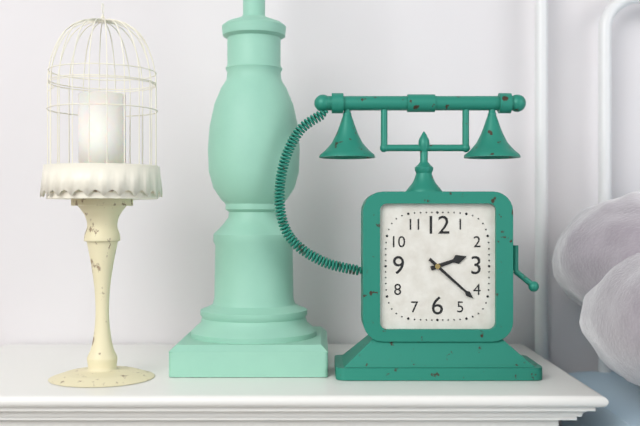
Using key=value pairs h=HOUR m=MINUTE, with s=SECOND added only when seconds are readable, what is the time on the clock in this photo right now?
h=2 m=22
